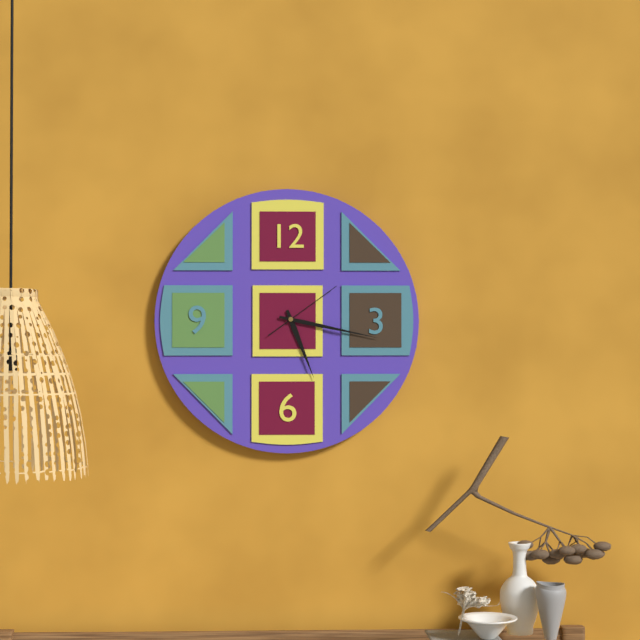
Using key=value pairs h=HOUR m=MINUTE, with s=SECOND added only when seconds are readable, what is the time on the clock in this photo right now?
h=5 m=17 s=9
